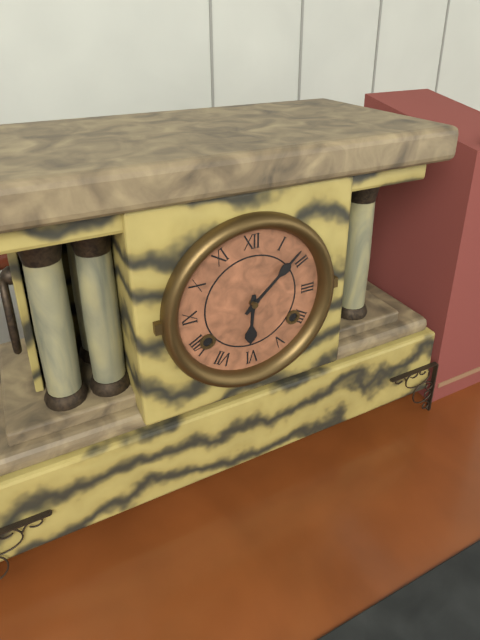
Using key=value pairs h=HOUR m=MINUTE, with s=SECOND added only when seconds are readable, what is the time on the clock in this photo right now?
h=6 m=8
